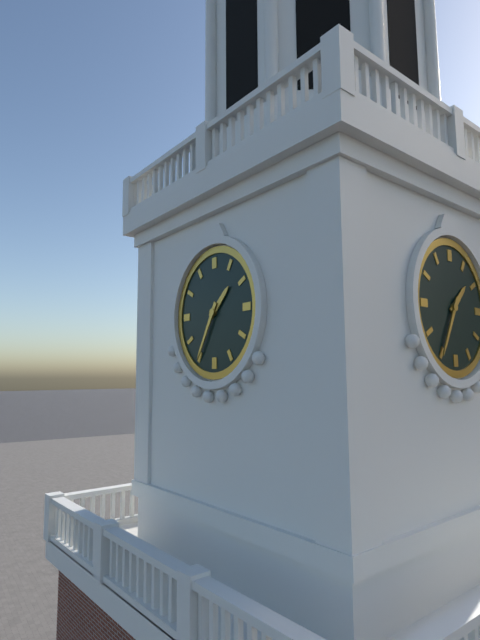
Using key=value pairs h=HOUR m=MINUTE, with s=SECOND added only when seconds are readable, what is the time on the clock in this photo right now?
h=1 m=35
